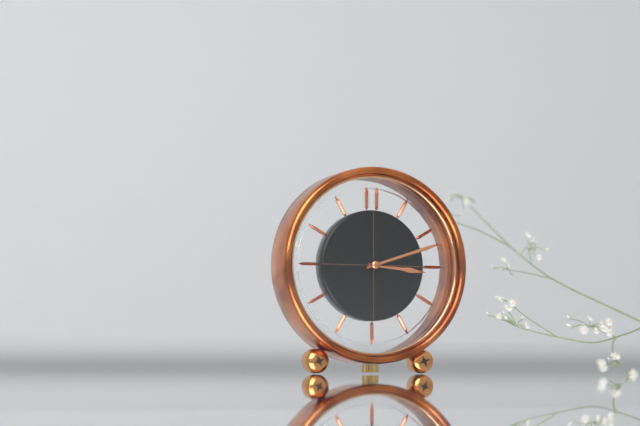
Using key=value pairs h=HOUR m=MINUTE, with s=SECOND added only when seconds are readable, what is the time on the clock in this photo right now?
h=3 m=12
